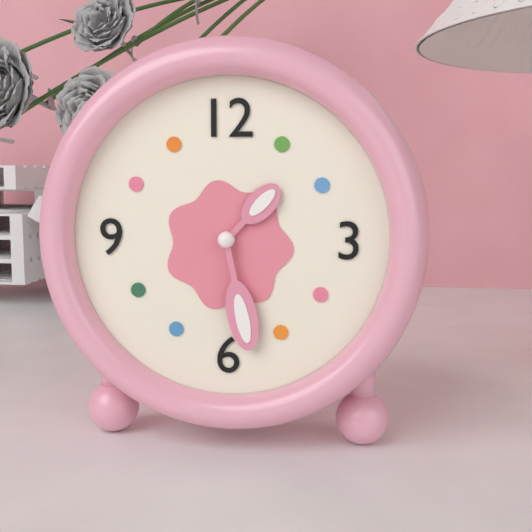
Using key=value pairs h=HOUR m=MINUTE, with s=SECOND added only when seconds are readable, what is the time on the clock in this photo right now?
h=1 m=28
